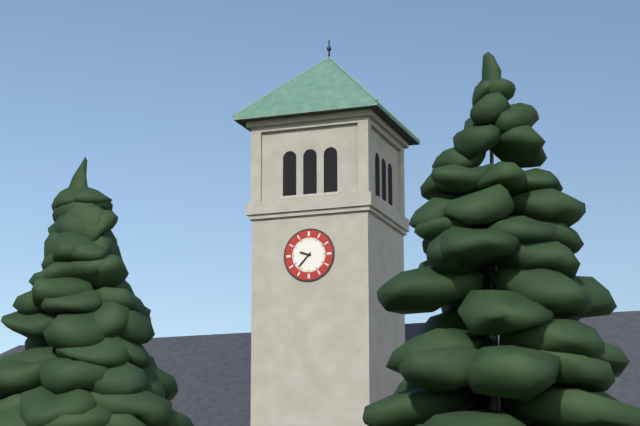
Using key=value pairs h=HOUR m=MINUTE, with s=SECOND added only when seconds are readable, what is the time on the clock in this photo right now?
h=9 m=37
